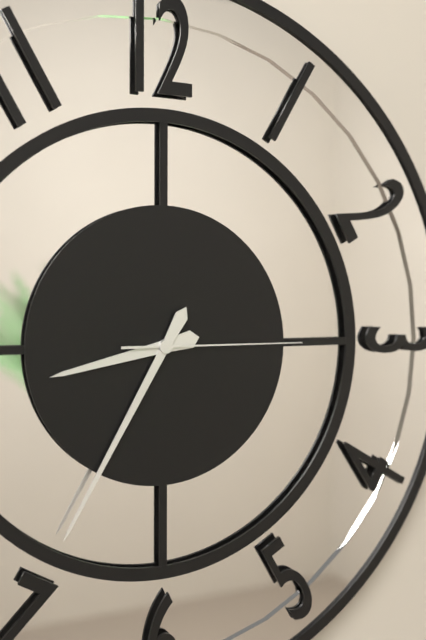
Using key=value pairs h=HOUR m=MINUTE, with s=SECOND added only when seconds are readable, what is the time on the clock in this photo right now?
h=8 m=35 s=15
